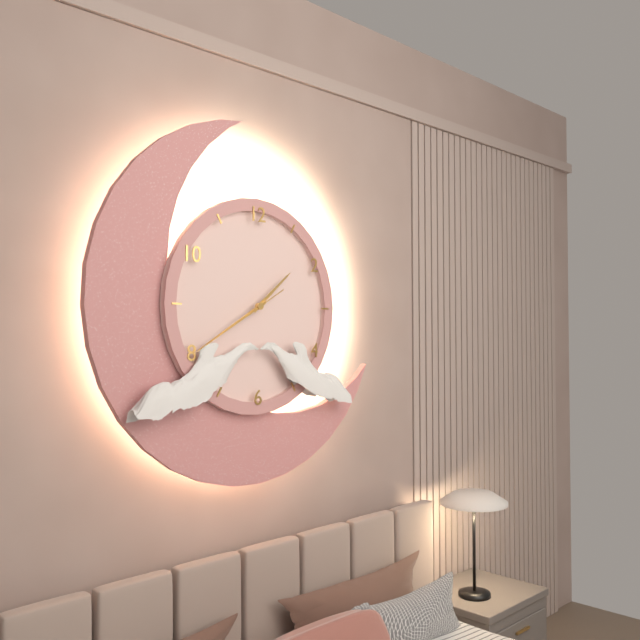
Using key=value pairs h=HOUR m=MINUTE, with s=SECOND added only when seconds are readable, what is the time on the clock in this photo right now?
h=1 m=40 s=40
